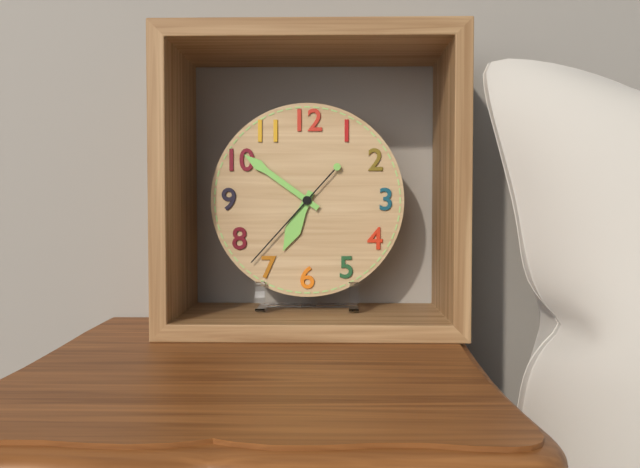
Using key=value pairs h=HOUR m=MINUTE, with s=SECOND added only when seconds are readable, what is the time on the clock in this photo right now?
h=6 m=51 s=37
